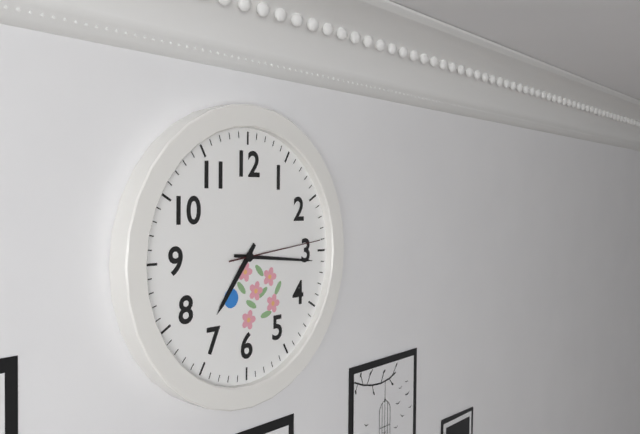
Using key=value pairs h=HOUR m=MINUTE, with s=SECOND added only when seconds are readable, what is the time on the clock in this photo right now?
h=7 m=16 s=14
